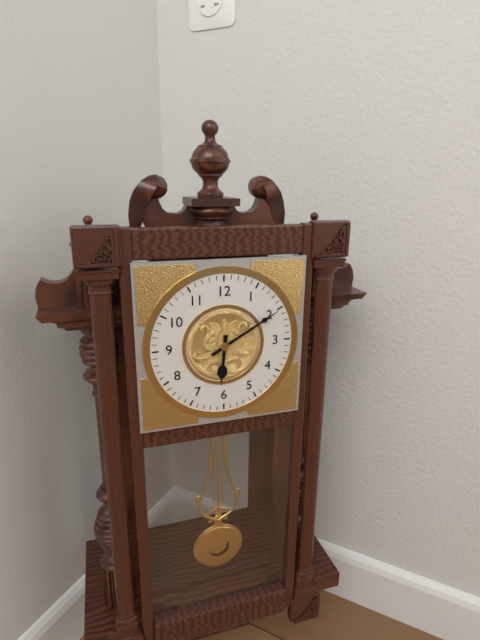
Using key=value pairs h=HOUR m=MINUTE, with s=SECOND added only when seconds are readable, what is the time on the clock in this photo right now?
h=6 m=10
